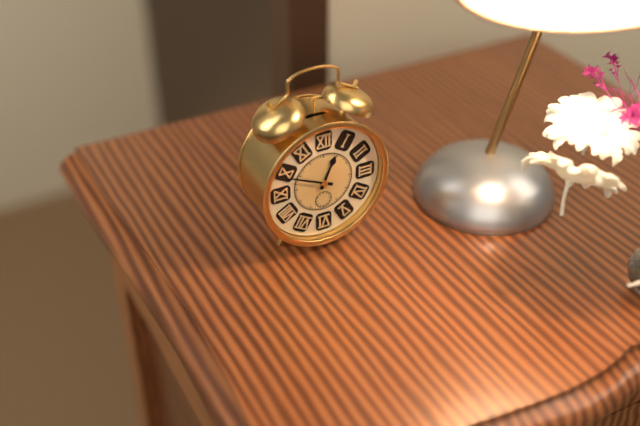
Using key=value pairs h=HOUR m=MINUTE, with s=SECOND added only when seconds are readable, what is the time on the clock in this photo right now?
h=12 m=49
